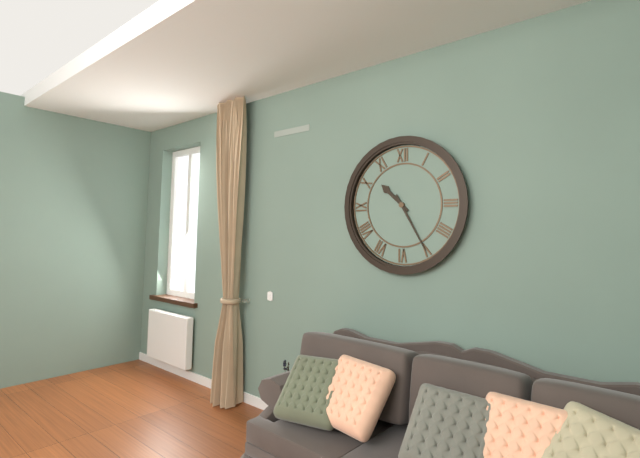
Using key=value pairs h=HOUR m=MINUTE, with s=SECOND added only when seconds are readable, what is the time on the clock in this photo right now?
h=10 m=25
